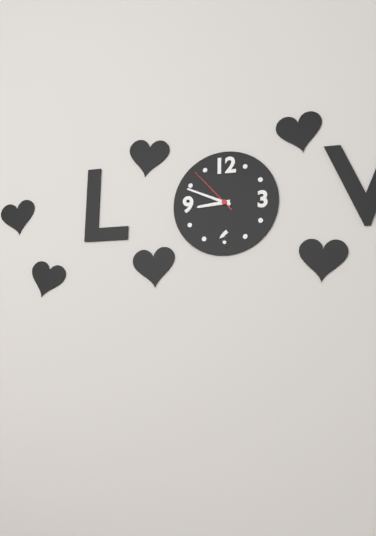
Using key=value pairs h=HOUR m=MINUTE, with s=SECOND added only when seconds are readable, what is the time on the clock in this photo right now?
h=8 m=49 s=53
